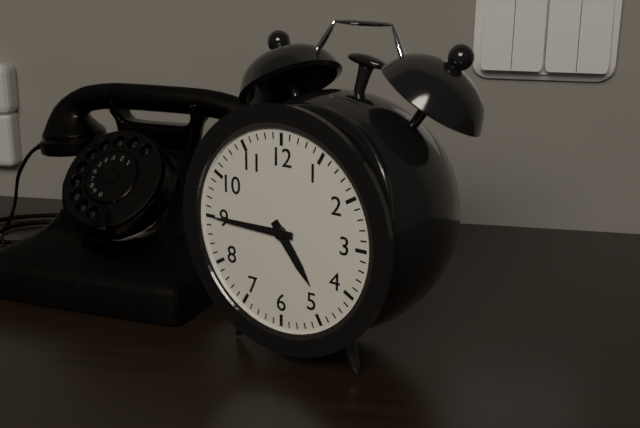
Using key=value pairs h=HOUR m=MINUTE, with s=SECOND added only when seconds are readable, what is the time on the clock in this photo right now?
h=4 m=45
